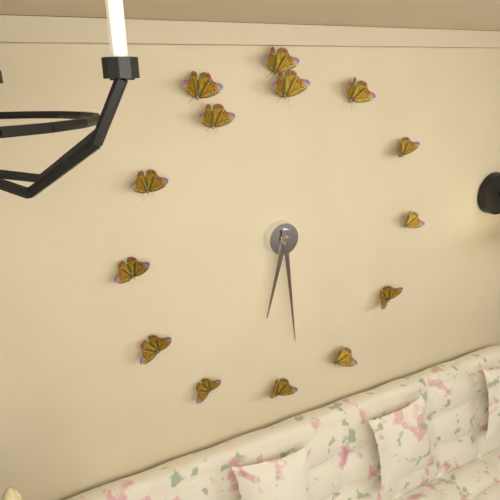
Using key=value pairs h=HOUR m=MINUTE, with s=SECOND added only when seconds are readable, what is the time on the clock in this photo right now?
h=6 m=29
